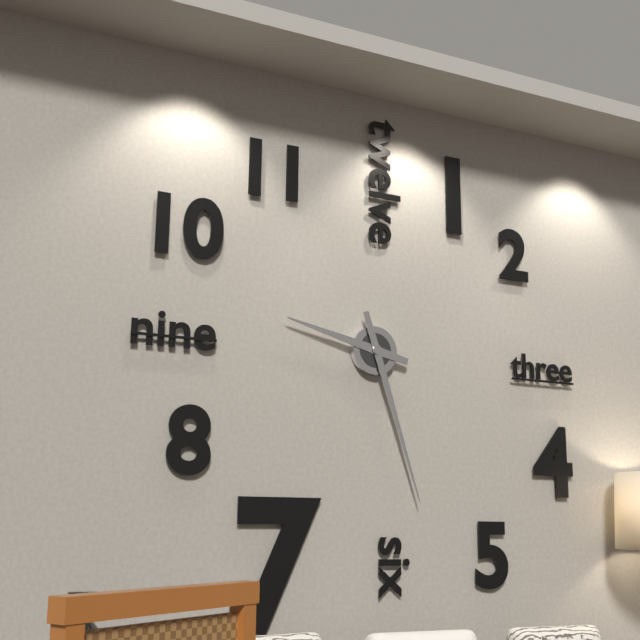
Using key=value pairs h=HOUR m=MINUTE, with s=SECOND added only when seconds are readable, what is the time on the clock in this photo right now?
h=9 m=27
